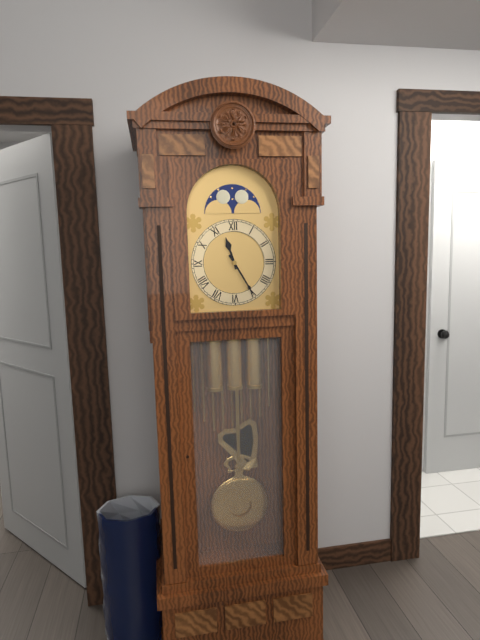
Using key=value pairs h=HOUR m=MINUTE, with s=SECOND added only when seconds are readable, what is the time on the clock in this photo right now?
h=11 m=25
